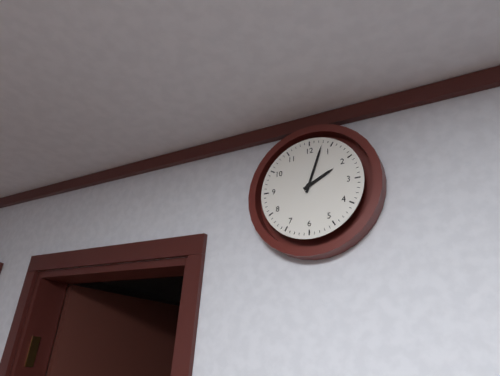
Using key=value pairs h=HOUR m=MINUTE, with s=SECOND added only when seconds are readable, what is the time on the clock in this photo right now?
h=2 m=3
